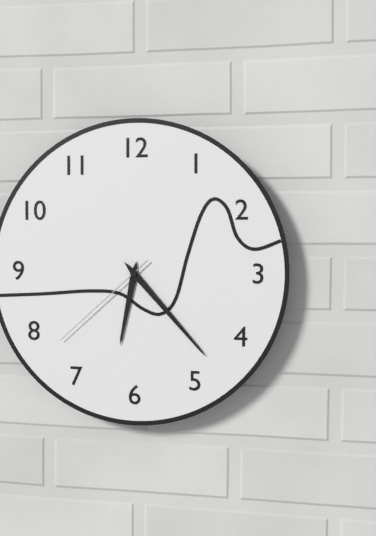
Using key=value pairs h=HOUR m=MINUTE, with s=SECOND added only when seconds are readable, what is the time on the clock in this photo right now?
h=6 m=23 s=38
